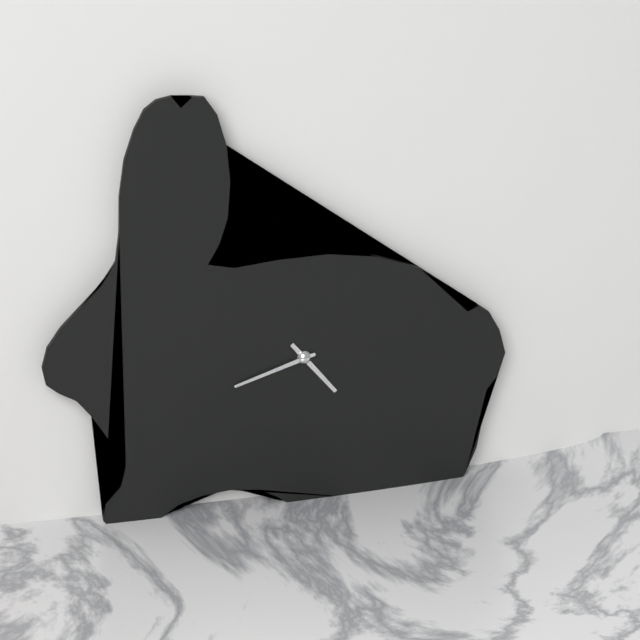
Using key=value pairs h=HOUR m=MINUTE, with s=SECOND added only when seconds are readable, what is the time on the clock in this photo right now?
h=4 m=42
